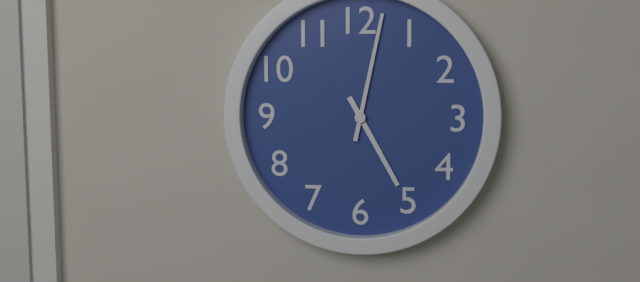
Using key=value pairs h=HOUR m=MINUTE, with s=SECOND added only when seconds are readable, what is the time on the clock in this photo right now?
h=5 m=2
